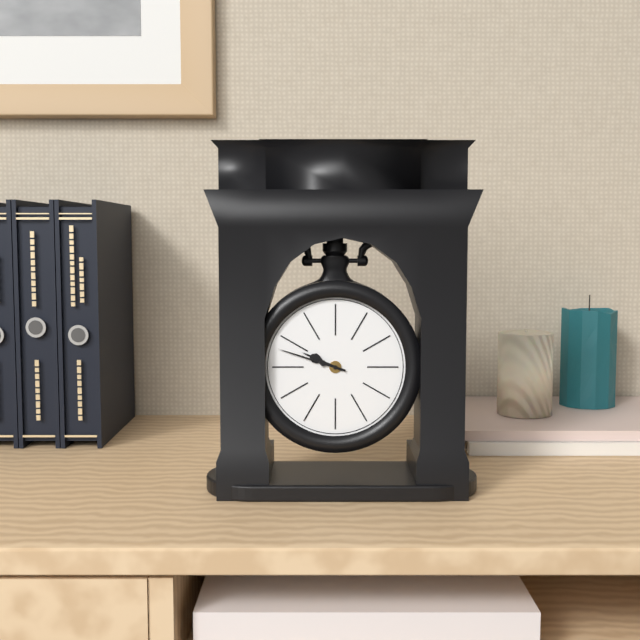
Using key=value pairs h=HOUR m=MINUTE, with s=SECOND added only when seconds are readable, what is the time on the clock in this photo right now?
h=9 m=48
